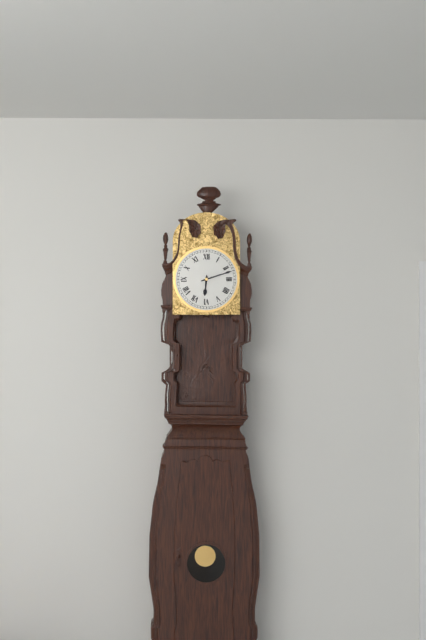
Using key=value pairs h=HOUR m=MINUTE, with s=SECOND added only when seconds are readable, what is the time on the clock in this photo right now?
h=6 m=12
